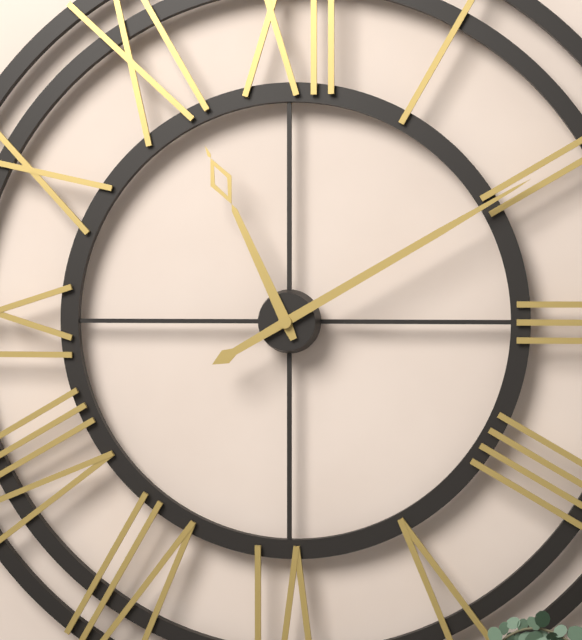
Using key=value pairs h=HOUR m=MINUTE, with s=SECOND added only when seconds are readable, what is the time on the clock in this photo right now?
h=11 m=10
